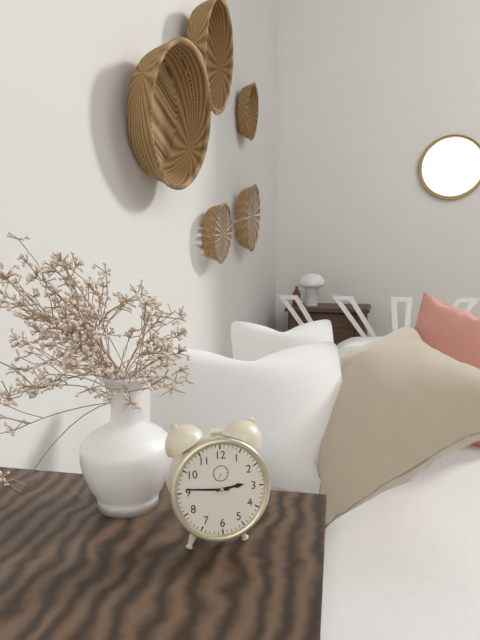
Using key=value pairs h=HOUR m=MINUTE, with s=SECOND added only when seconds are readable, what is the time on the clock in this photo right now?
h=2 m=46
